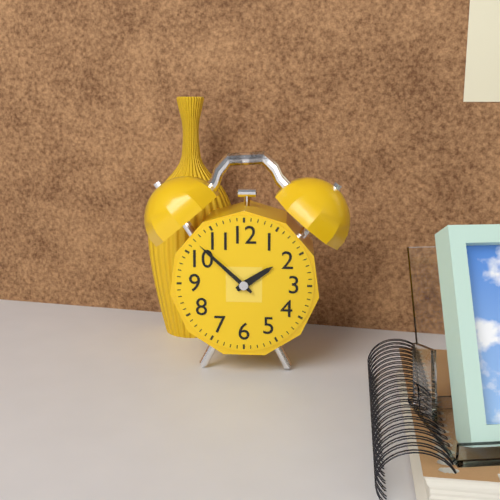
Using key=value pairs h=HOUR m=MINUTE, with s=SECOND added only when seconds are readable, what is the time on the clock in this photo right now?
h=1 m=52
